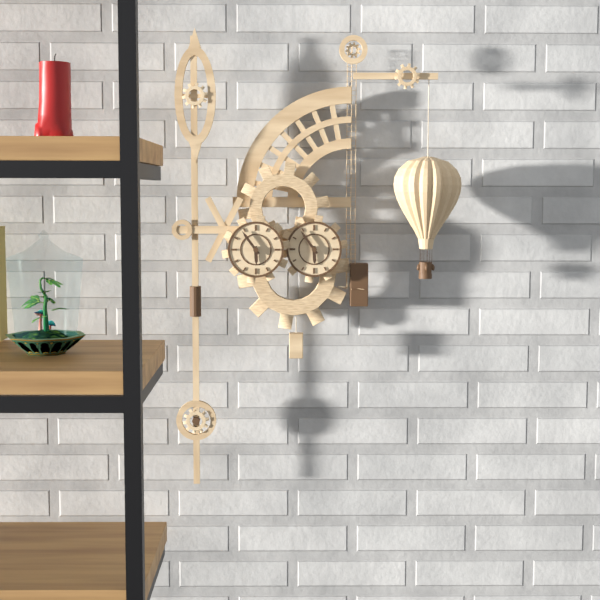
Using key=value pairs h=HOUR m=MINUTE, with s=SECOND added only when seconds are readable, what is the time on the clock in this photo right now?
h=5 m=54
